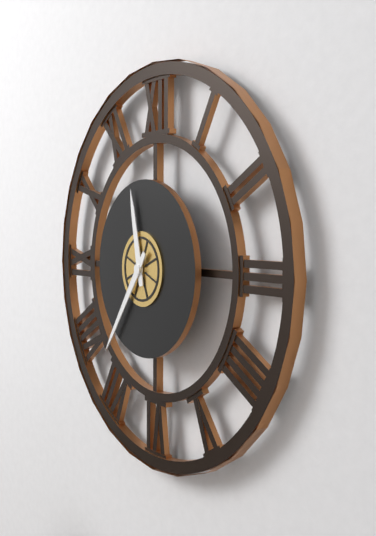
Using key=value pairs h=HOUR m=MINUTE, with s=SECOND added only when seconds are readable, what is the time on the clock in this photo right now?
h=11 m=36
